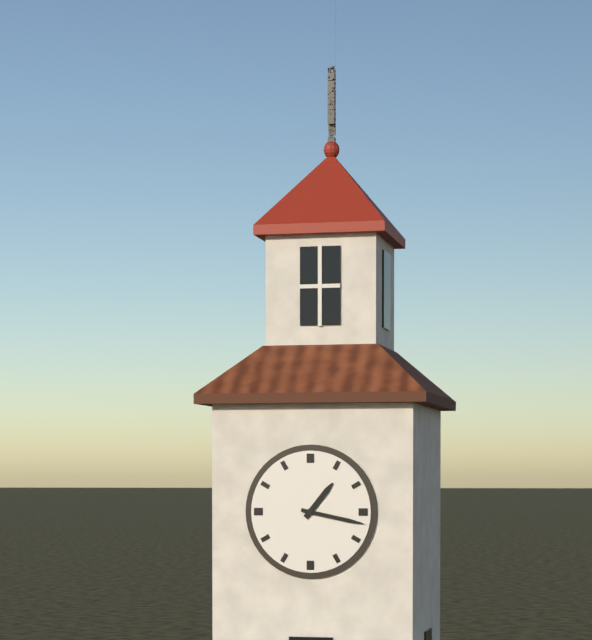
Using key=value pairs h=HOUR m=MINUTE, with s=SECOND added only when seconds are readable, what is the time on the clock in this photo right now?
h=1 m=17
